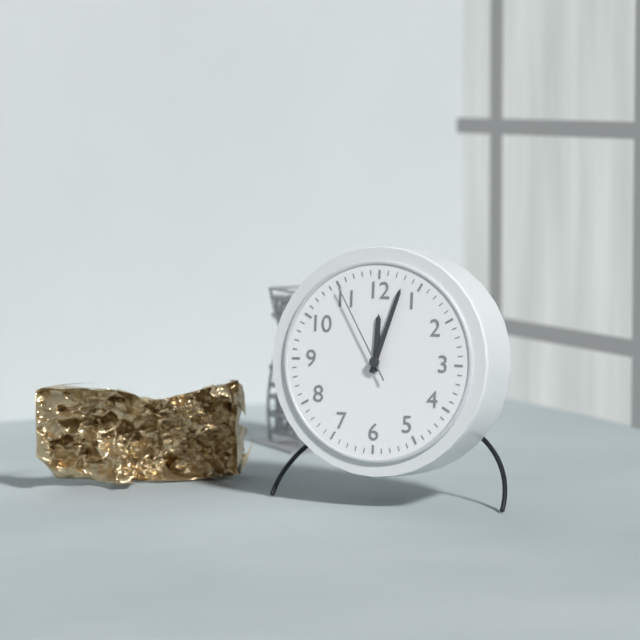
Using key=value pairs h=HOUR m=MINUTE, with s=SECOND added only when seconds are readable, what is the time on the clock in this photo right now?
h=12 m=3 s=55
